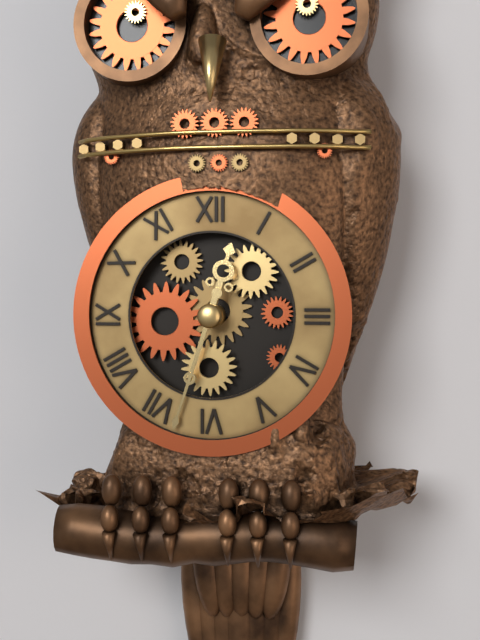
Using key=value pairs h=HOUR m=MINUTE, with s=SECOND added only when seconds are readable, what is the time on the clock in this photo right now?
h=12 m=33
